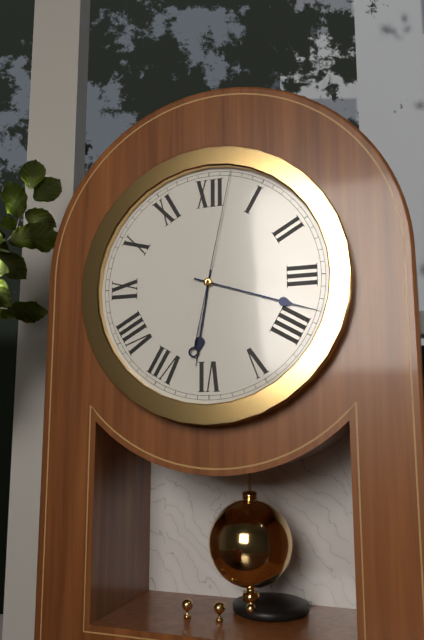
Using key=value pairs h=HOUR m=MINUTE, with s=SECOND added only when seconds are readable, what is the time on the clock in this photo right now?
h=6 m=18 s=2
